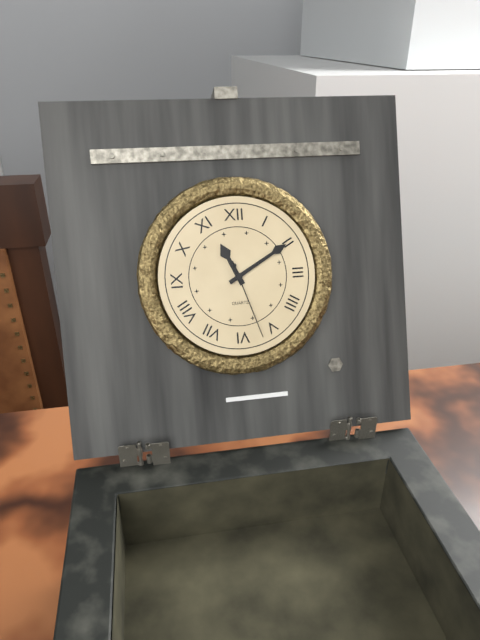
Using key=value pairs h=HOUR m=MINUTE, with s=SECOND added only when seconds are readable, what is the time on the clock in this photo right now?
h=11 m=10 s=27
